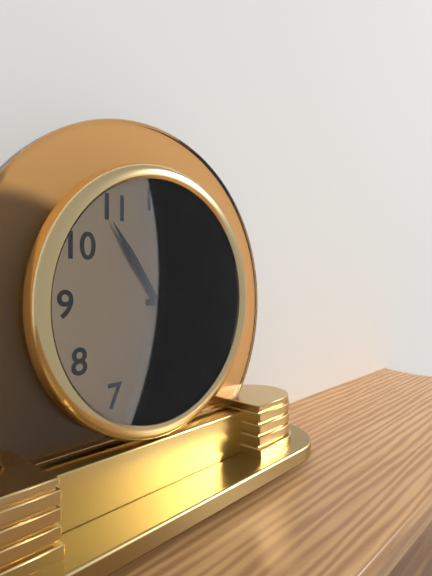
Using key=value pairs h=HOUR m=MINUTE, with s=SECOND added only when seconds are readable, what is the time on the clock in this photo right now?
h=2 m=54
